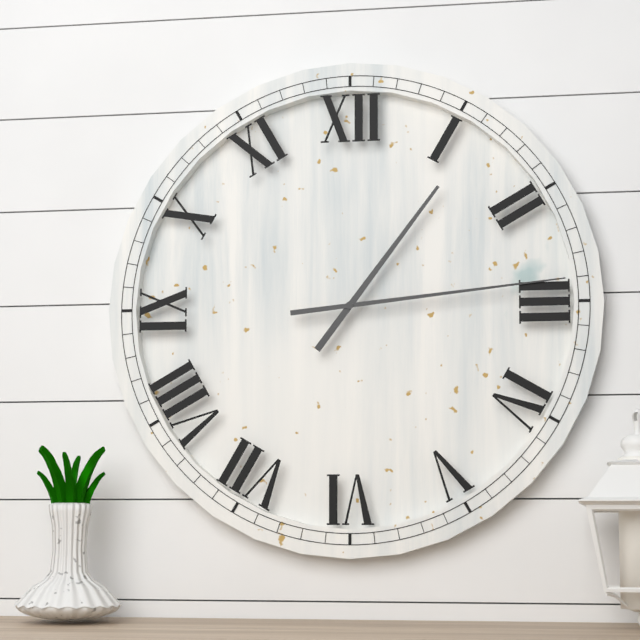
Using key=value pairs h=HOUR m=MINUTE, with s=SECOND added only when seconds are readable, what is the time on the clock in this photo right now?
h=1 m=14
